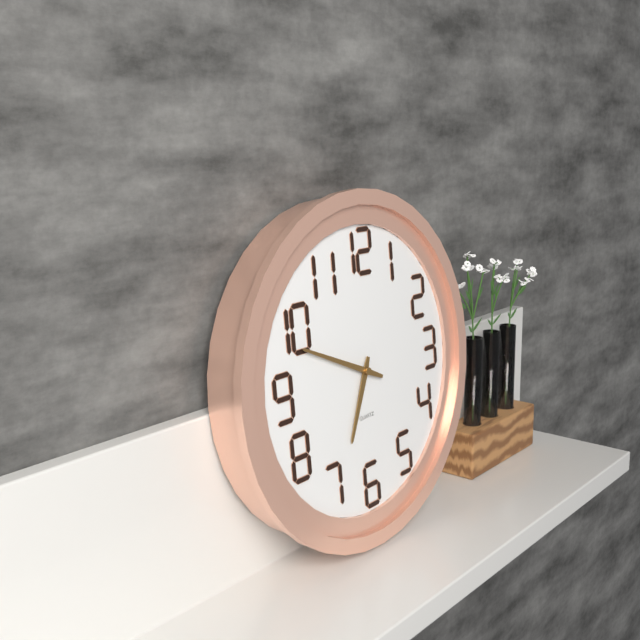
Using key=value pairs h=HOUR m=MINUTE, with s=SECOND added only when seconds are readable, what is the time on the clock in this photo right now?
h=6 m=49
